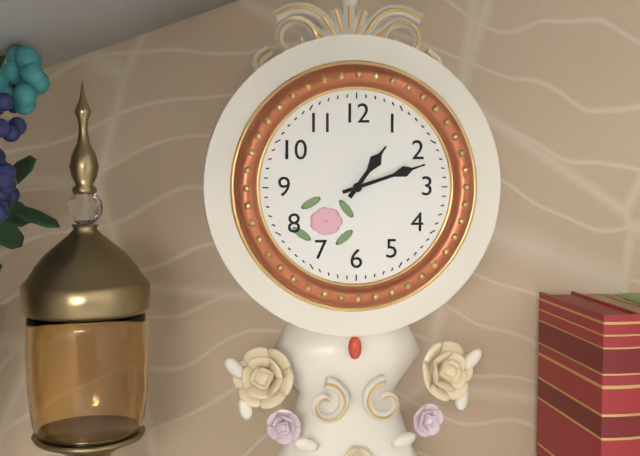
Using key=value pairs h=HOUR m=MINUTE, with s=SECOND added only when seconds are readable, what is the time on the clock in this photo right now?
h=1 m=12
